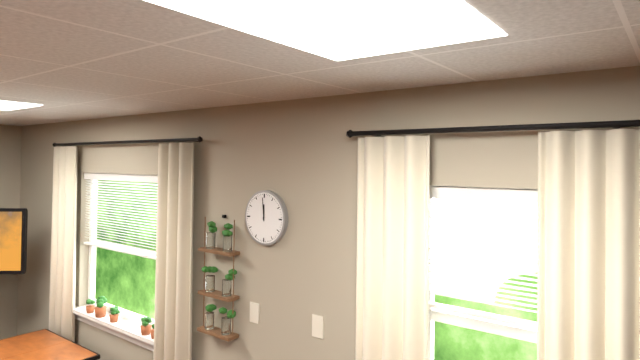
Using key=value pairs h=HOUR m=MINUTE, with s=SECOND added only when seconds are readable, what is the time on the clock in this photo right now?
h=11 m=59
